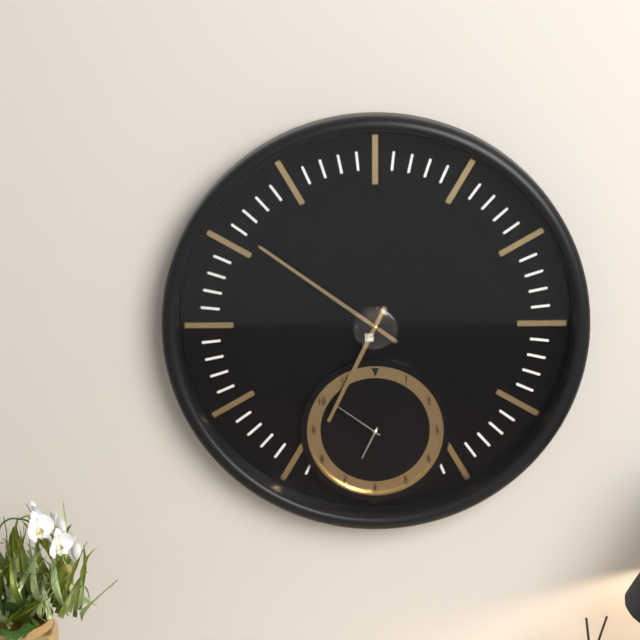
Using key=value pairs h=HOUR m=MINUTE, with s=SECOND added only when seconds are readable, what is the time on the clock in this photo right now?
h=6 m=51
